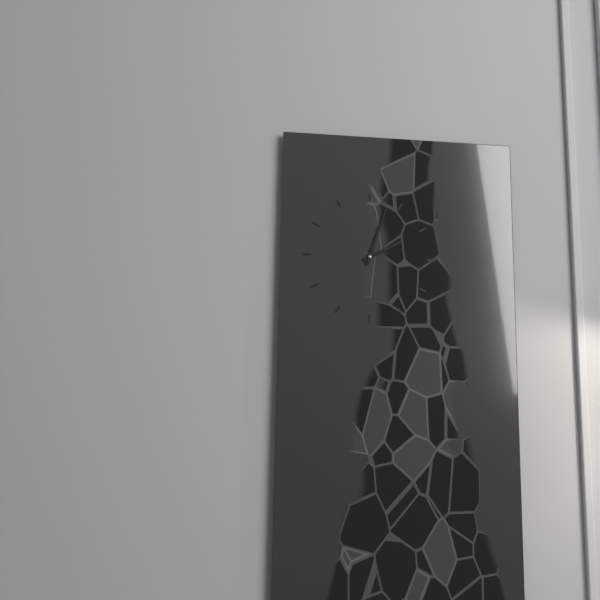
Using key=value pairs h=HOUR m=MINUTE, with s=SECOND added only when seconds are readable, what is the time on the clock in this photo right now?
h=2 m=3
